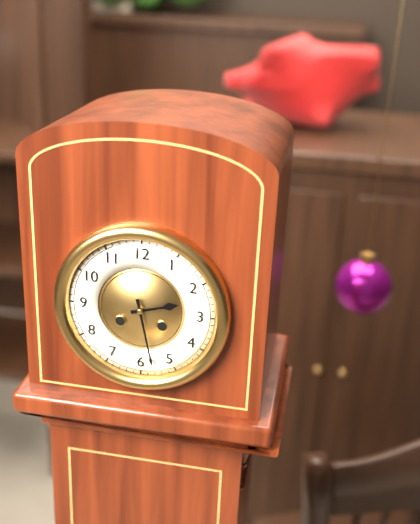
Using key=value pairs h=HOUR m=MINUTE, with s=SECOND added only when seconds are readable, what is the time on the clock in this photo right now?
h=2 m=28
